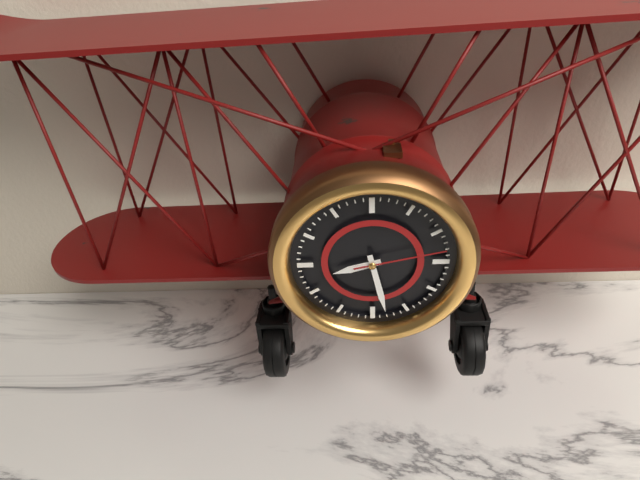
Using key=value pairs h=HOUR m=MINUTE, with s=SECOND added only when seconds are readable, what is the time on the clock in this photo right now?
h=8 m=28 s=13
